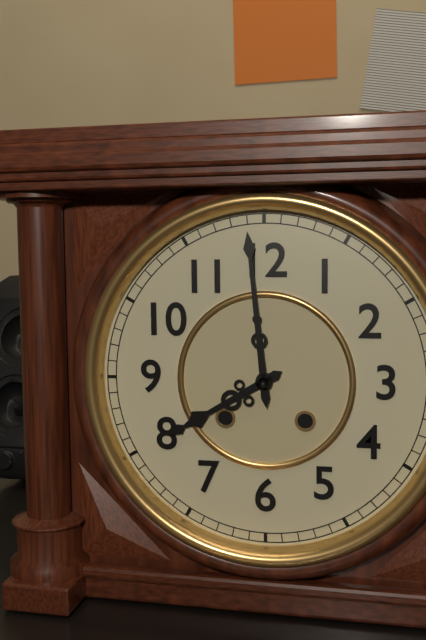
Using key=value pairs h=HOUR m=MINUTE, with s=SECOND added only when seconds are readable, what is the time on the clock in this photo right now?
h=7 m=59
